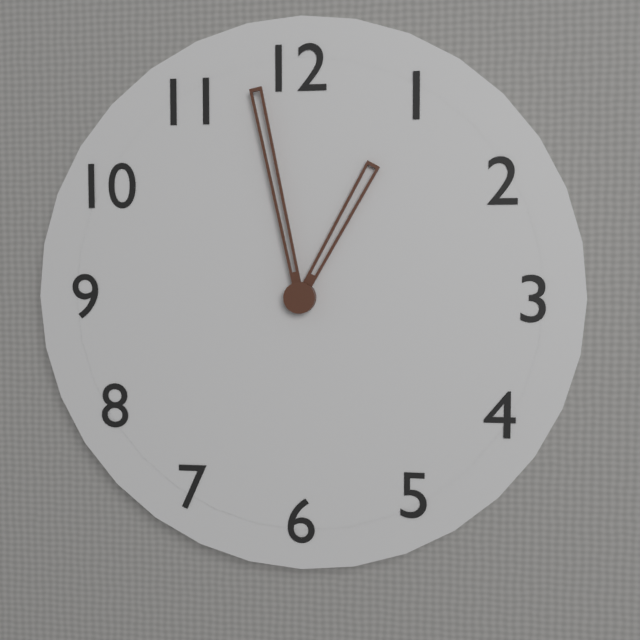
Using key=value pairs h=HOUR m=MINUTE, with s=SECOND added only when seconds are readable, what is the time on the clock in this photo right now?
h=12 m=58
